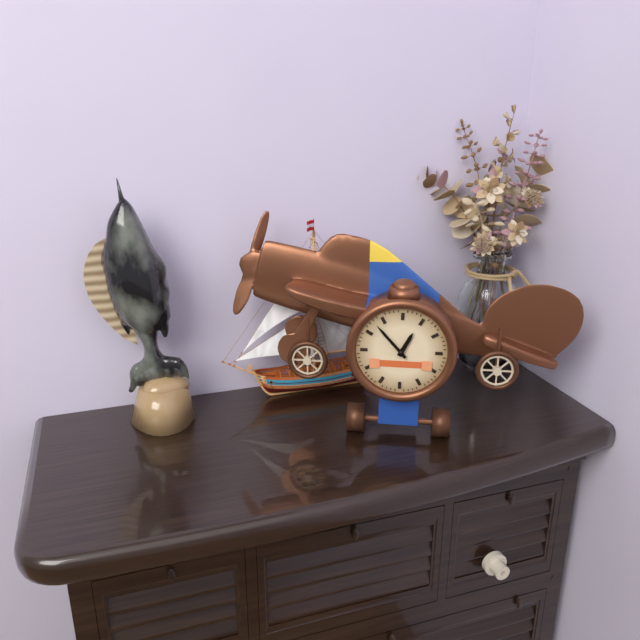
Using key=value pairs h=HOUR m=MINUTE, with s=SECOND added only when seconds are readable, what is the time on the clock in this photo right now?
h=12 m=53
